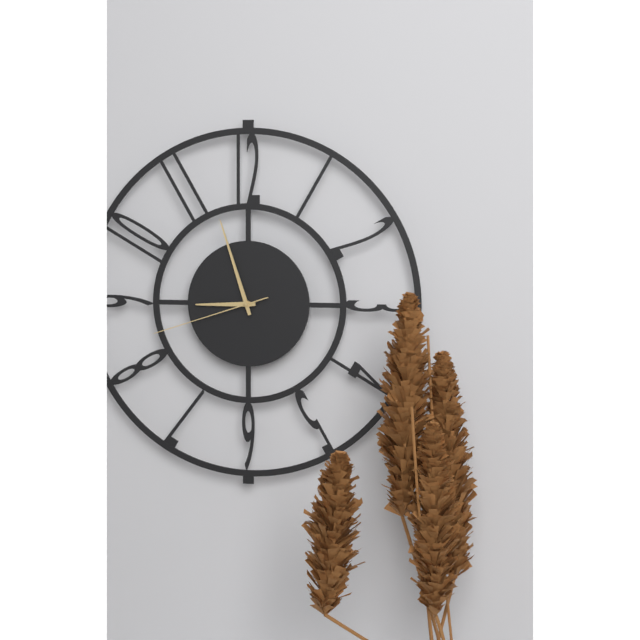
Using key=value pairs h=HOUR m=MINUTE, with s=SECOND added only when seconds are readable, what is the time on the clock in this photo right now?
h=8 m=57 s=42
